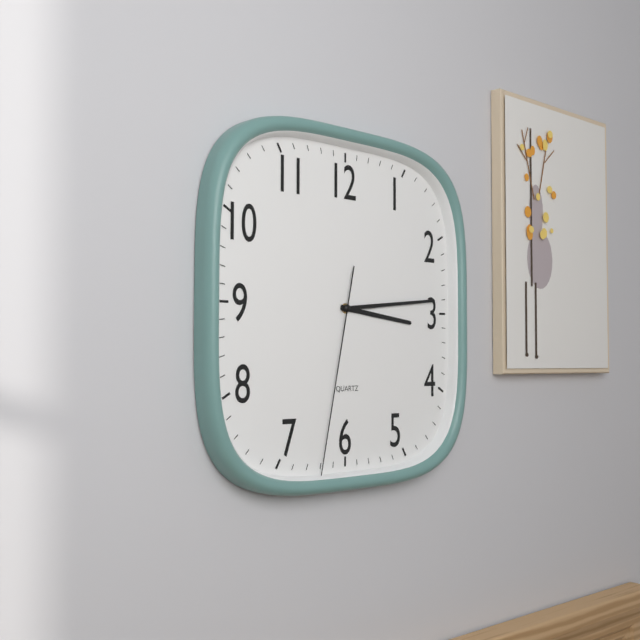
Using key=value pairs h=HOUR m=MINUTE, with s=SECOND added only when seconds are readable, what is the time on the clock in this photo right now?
h=3 m=14 s=32
